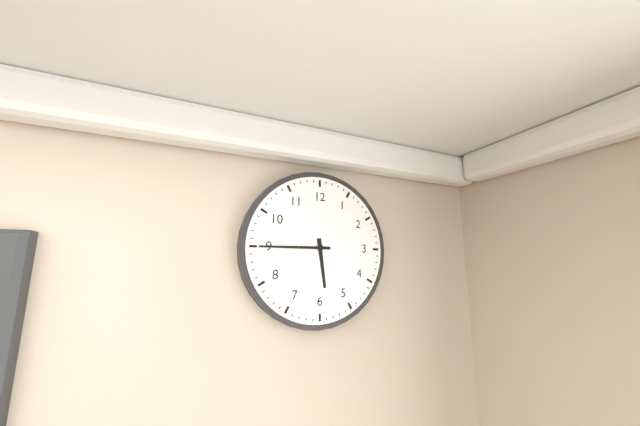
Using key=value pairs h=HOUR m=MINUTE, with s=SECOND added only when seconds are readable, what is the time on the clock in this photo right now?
h=5 m=45
